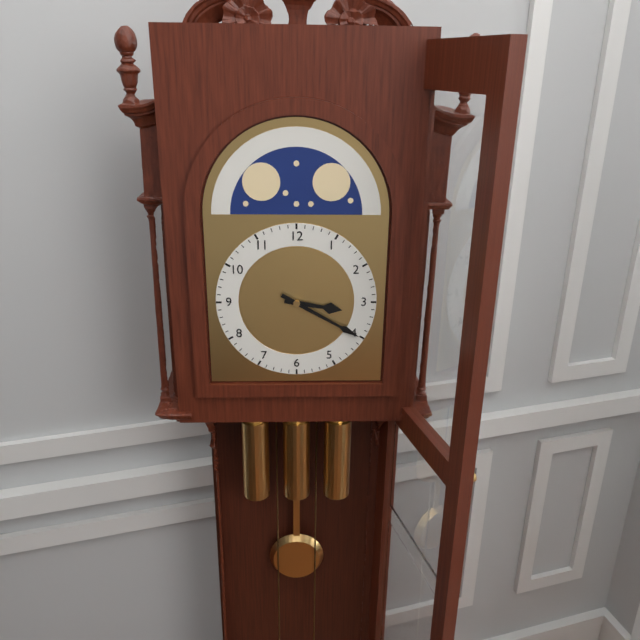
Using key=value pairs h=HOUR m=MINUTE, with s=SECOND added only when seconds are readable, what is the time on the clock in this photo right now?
h=3 m=20
